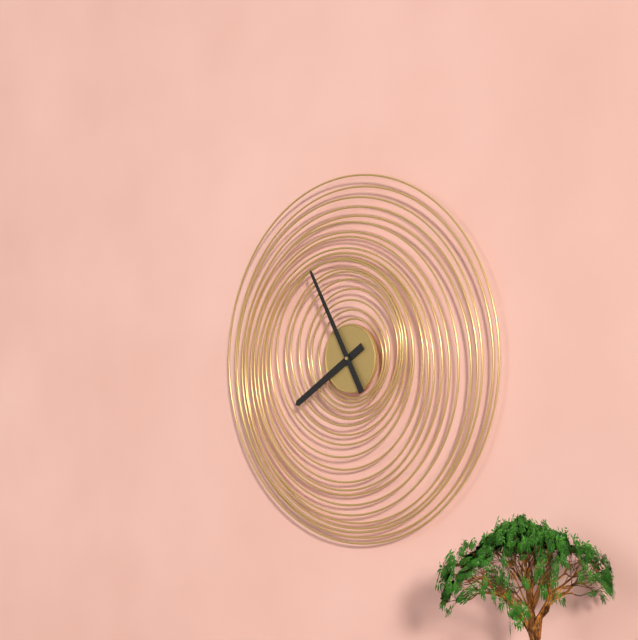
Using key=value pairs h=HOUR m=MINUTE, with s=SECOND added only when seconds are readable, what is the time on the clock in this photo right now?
h=7 m=55
